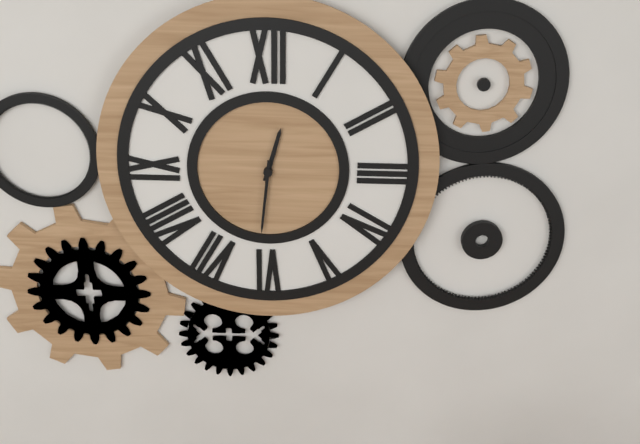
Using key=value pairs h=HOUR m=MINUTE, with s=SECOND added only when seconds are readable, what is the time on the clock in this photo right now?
h=12 m=31
